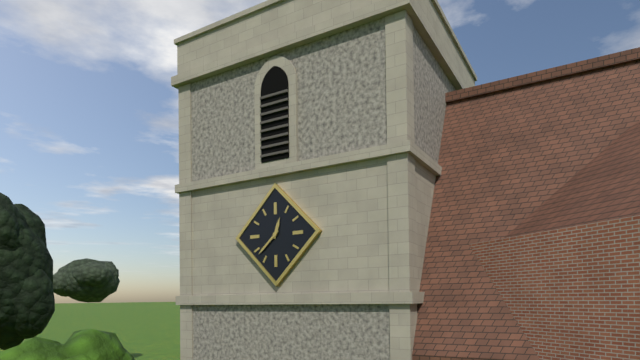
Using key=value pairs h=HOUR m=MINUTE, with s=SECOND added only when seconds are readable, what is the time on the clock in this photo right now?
h=12 m=38
